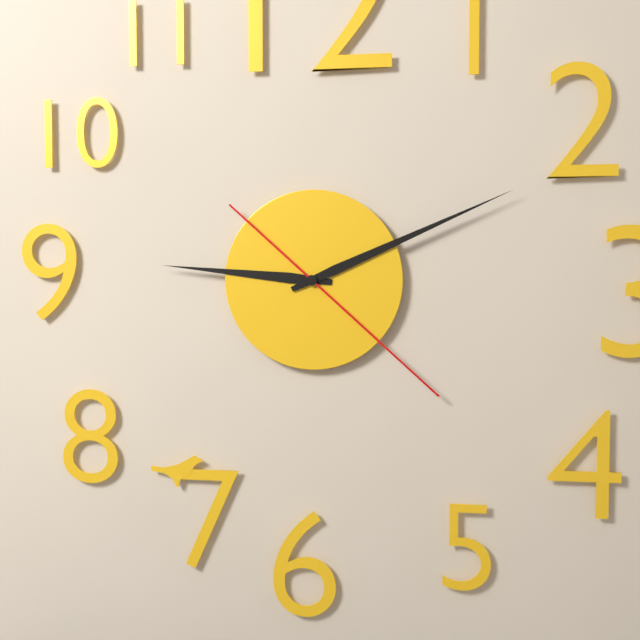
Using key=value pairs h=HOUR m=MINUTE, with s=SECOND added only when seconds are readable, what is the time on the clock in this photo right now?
h=9 m=11 s=22
